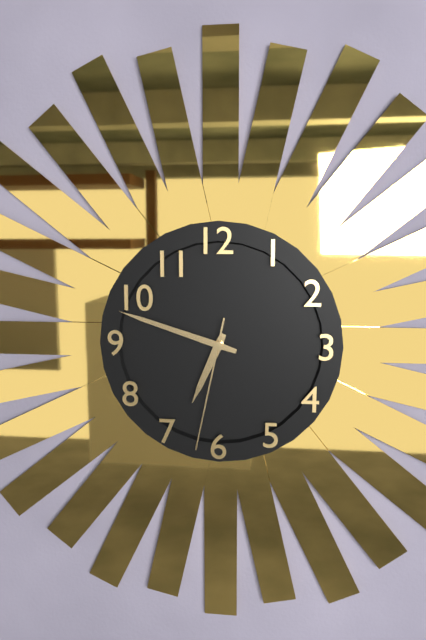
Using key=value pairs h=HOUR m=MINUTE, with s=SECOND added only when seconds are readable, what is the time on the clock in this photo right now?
h=6 m=48 s=32
